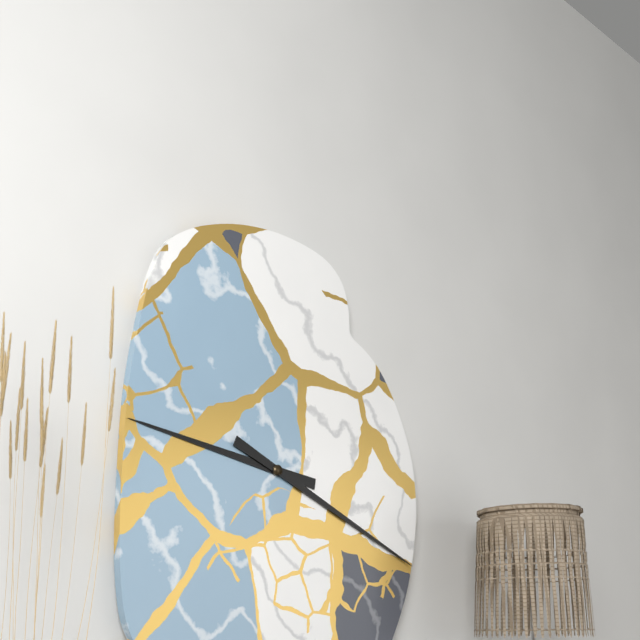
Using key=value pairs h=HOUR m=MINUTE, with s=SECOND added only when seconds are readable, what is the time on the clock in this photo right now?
h=9 m=19
